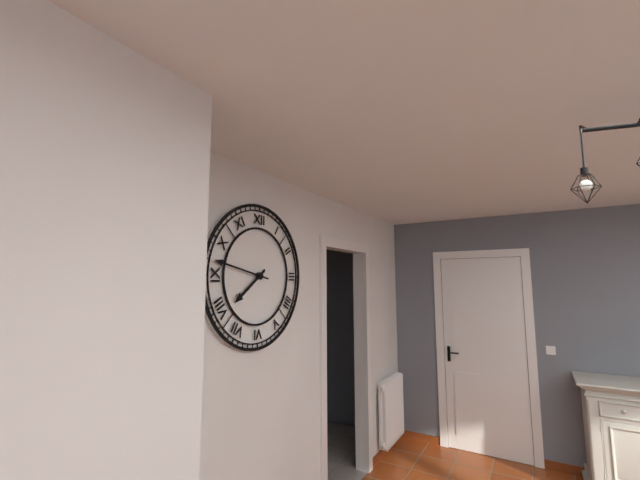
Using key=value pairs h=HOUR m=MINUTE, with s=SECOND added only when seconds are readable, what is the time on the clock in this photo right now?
h=7 m=47
